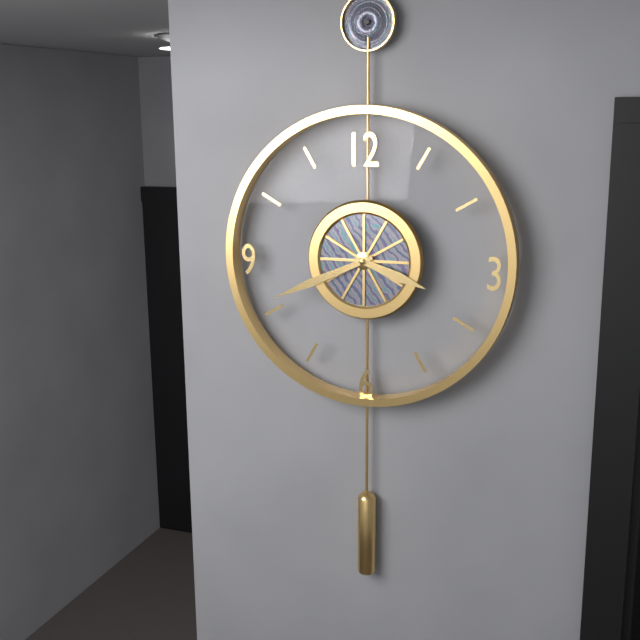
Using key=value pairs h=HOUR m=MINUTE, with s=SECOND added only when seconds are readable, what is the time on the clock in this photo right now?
h=3 m=41
